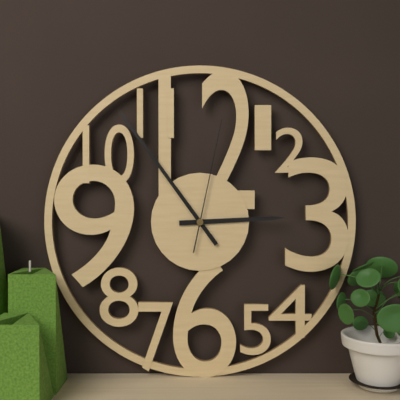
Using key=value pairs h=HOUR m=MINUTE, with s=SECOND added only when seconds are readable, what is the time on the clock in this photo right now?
h=2 m=54 s=2
